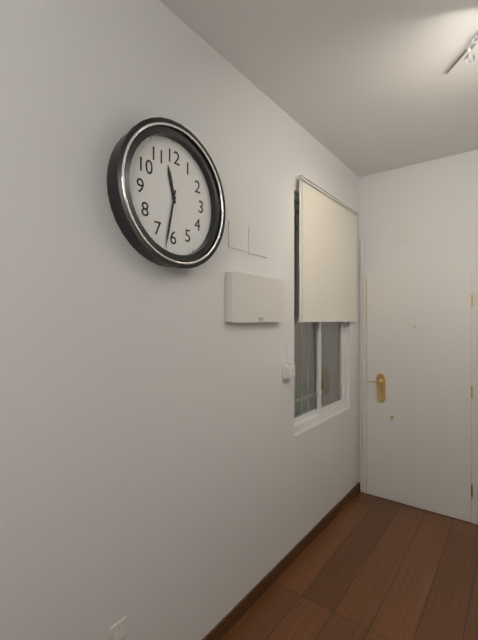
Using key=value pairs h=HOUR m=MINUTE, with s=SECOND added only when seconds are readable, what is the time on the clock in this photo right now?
h=11 m=32
